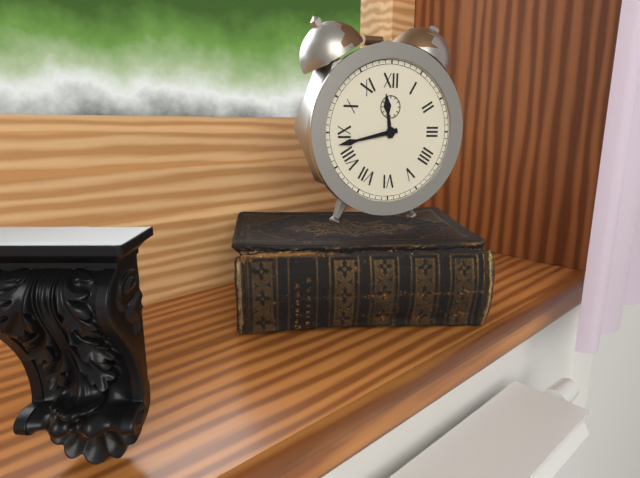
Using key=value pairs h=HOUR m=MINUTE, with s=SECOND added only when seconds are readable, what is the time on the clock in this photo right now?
h=11 m=43
